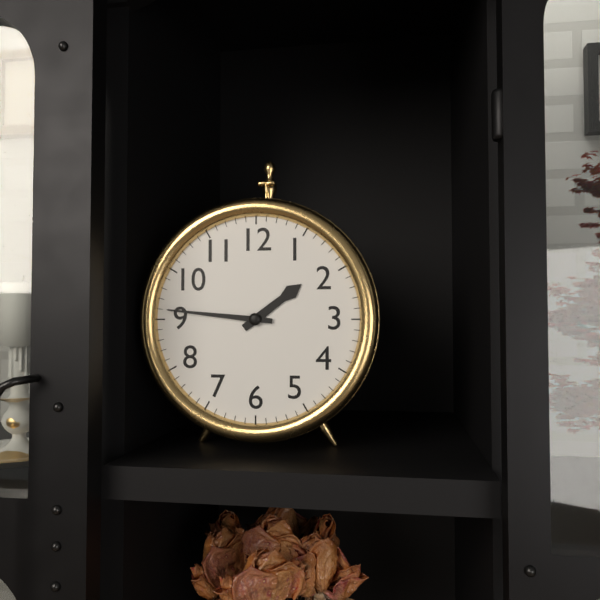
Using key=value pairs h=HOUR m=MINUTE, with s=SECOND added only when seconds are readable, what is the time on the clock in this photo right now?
h=1 m=46
